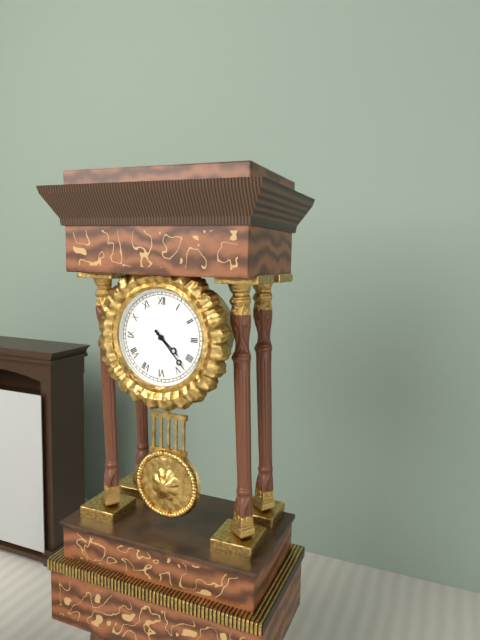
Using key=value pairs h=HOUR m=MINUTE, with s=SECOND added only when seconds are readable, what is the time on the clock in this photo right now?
h=4 m=23
